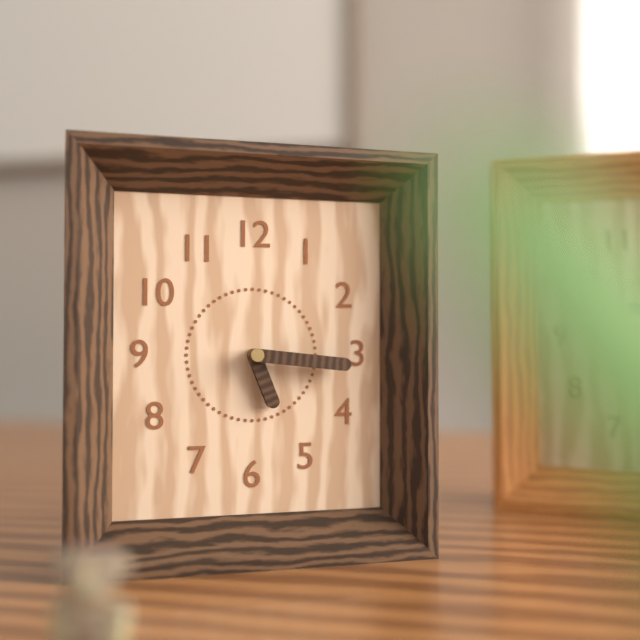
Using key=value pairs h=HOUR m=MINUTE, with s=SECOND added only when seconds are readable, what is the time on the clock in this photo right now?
h=5 m=16
